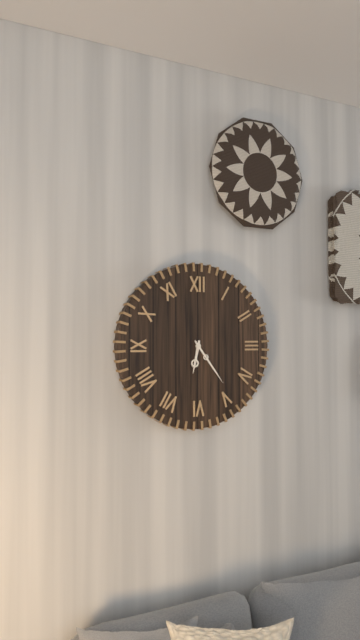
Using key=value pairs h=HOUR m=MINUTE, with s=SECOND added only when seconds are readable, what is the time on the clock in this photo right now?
h=6 m=24
